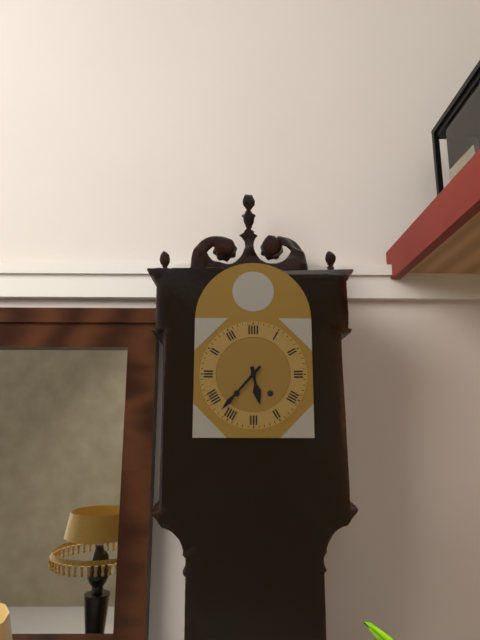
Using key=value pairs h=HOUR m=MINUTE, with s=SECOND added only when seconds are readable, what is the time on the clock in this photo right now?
h=5 m=37
